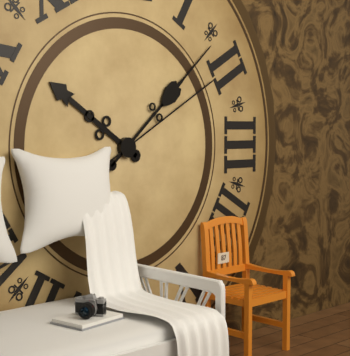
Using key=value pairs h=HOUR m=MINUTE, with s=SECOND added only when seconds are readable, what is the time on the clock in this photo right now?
h=10 m=8 s=10
